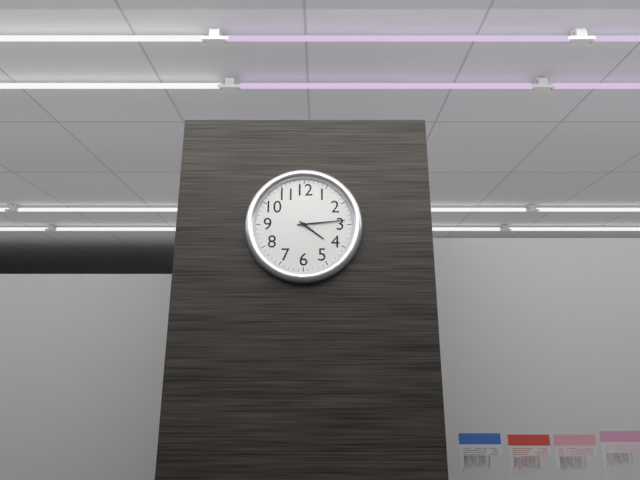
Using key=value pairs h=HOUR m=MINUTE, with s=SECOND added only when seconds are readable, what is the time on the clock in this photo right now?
h=4 m=14
